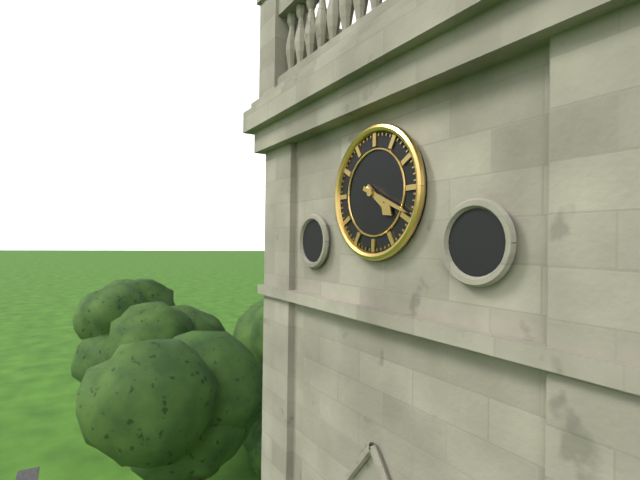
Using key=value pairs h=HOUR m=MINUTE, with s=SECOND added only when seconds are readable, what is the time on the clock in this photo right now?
h=4 m=19
